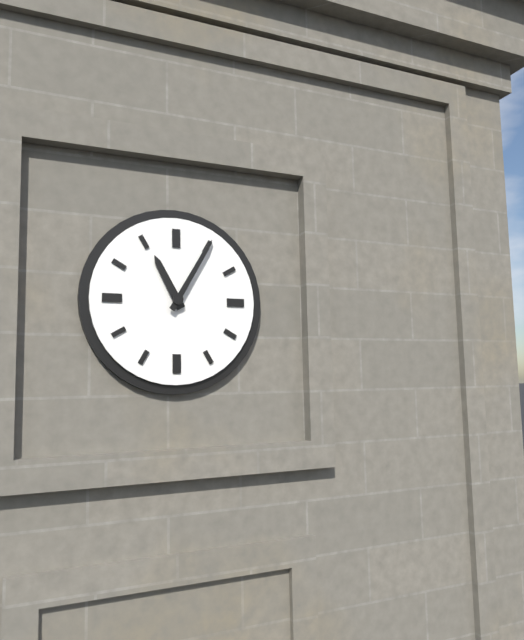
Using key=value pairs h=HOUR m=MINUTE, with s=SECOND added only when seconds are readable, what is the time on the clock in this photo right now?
h=11 m=5
